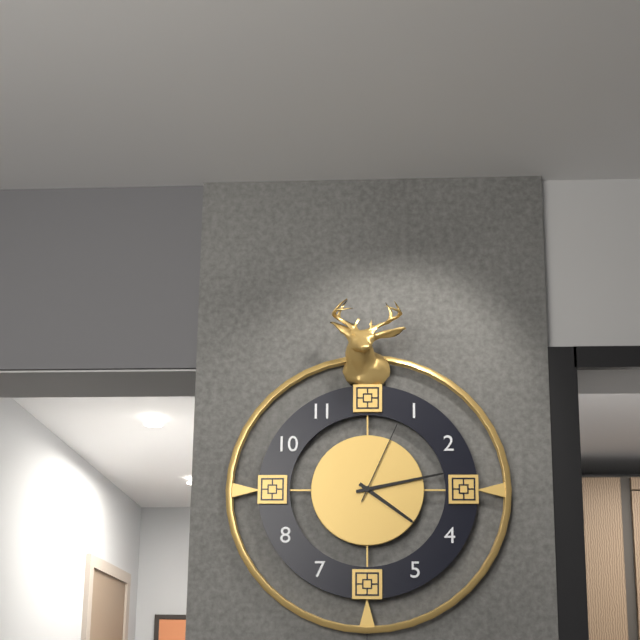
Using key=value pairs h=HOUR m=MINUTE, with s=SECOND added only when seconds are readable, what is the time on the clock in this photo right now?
h=4 m=13 s=4
